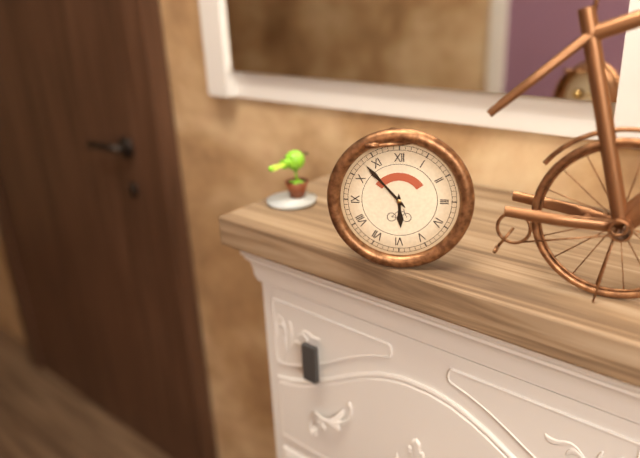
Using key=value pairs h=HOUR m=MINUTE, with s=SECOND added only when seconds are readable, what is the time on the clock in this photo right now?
h=5 m=53
